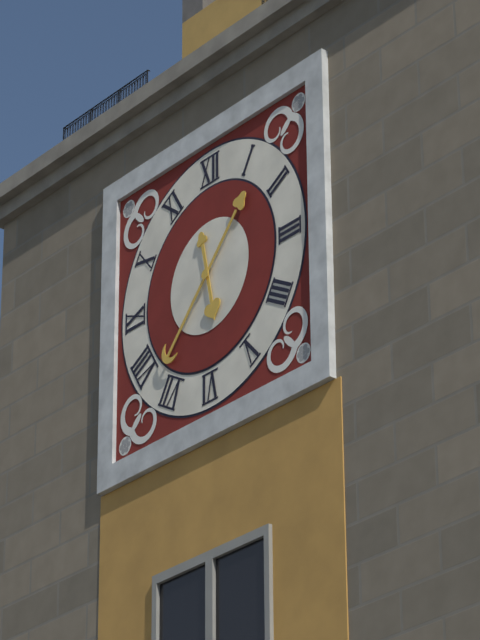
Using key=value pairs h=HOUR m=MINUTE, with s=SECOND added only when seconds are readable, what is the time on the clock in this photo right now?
h=5 m=37
